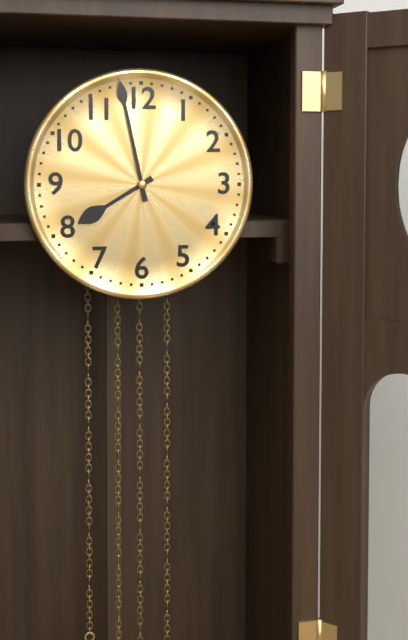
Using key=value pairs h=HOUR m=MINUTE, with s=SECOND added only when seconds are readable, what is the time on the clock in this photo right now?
h=7 m=58
